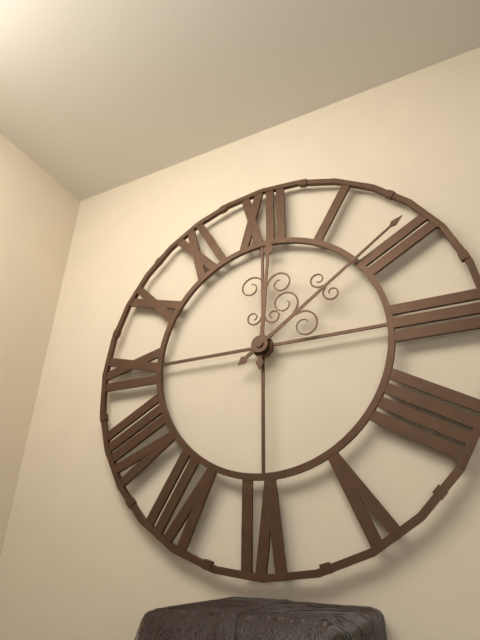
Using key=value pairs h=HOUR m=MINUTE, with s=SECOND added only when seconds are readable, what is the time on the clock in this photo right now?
h=12 m=9
